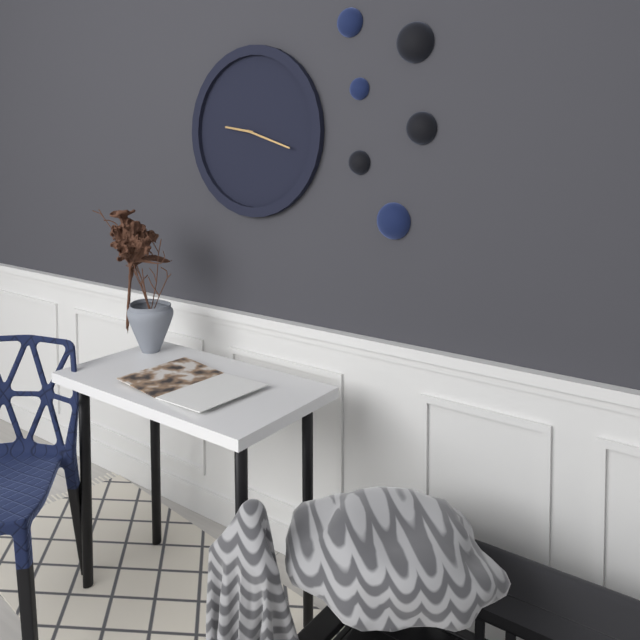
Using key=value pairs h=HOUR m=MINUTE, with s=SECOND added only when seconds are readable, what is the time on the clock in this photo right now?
h=9 m=18
